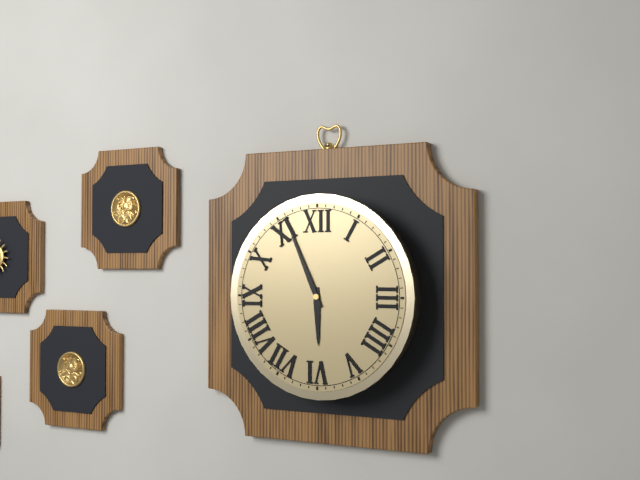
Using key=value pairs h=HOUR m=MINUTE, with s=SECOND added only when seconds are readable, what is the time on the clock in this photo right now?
h=5 m=56
